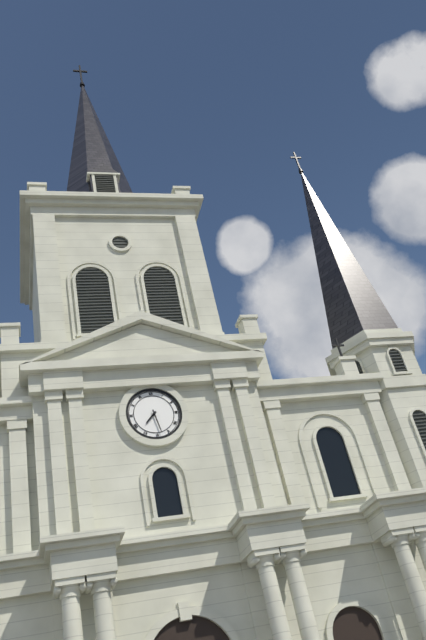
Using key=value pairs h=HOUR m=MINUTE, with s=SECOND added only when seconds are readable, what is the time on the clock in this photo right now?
h=7 m=28
